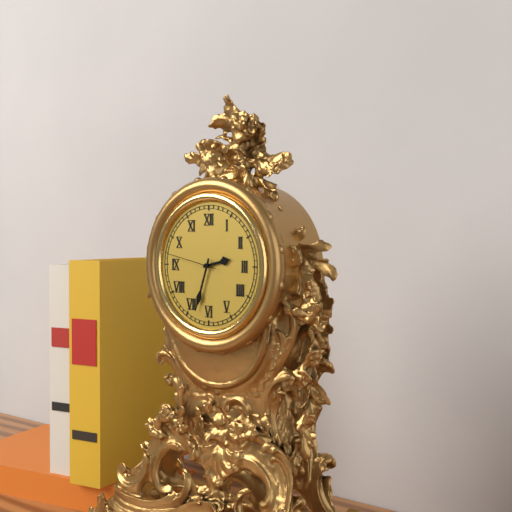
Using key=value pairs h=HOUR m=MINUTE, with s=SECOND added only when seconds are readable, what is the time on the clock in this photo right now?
h=2 m=33 s=47
